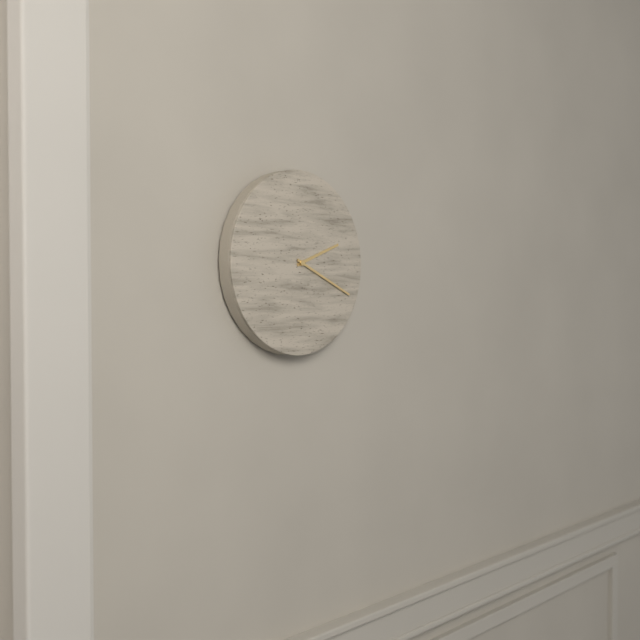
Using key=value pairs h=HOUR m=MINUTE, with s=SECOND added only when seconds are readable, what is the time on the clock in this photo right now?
h=2 m=19
